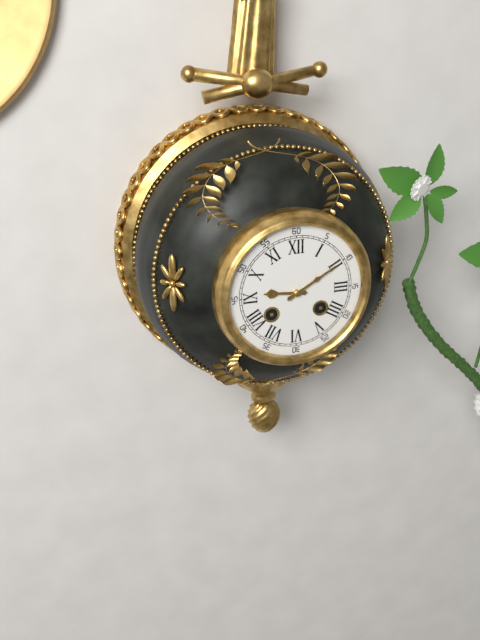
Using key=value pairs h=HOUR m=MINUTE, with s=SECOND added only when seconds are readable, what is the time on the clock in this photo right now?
h=9 m=10
